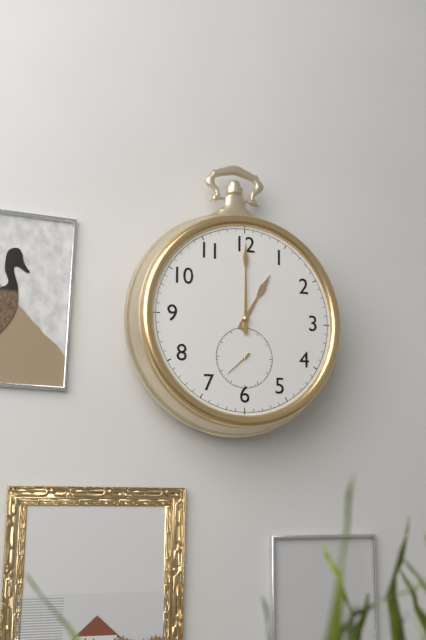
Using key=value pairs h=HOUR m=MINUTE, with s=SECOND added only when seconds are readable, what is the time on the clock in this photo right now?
h=1 m=0
